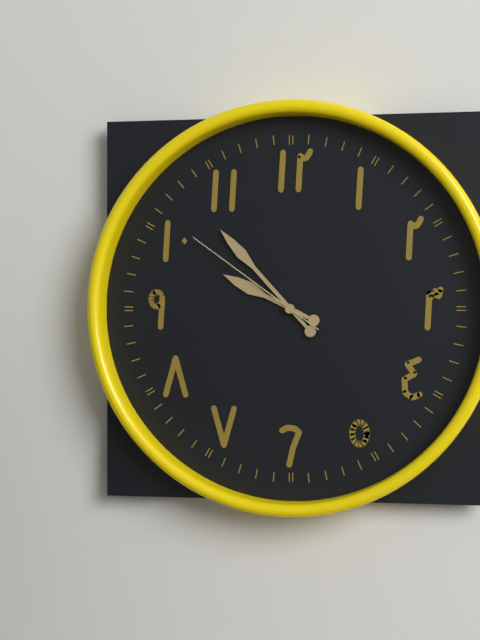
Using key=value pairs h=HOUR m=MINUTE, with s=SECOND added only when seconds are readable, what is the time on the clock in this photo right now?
h=9 m=53 s=51
